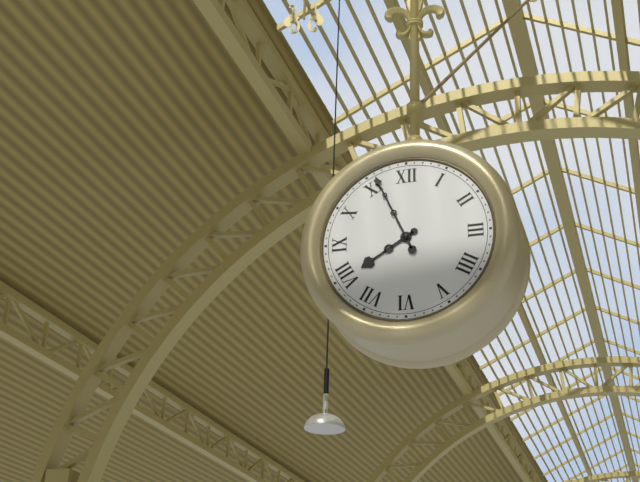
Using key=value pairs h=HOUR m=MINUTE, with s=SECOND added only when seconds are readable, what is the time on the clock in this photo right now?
h=7 m=56
